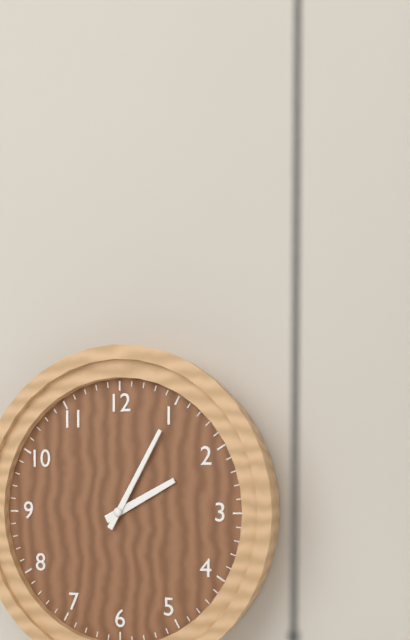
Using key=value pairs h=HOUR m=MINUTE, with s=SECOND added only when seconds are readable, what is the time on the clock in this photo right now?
h=2 m=5
